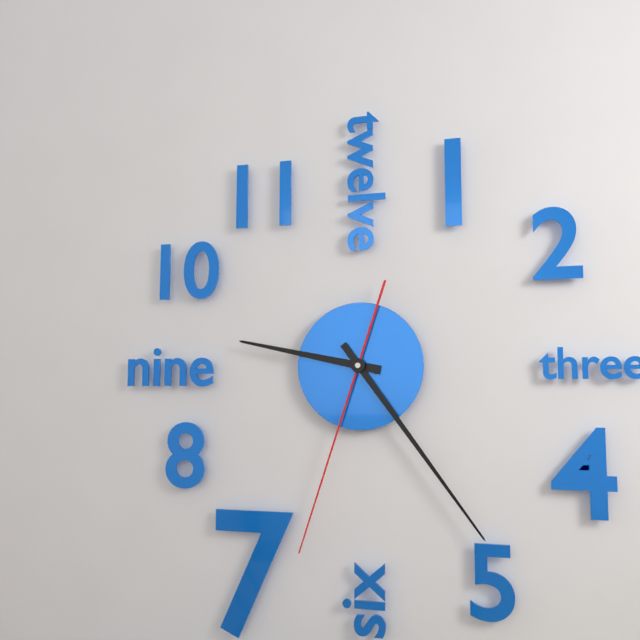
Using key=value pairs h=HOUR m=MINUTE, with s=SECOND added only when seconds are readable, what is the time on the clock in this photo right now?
h=9 m=24 s=33
